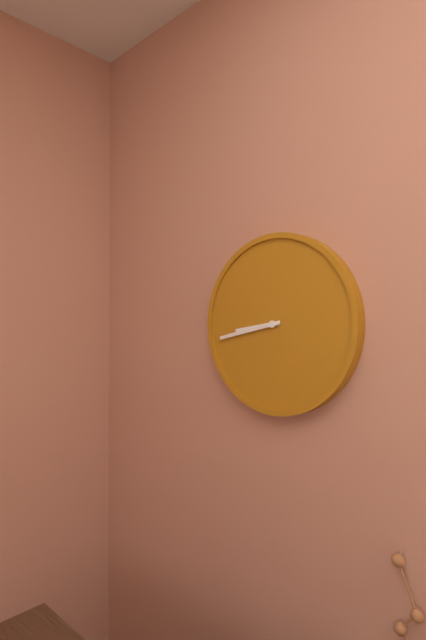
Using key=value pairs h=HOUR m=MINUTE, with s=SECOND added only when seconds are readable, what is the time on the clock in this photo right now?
h=8 m=43
